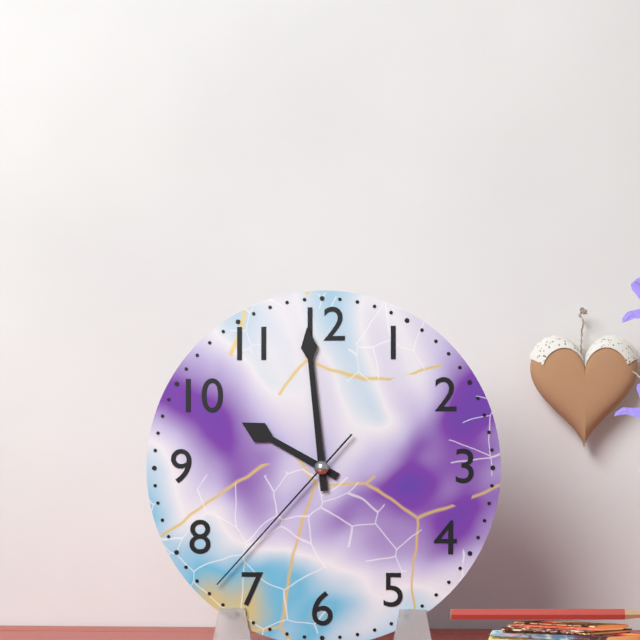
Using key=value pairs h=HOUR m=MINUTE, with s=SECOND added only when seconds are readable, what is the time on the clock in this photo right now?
h=9 m=59 s=37
